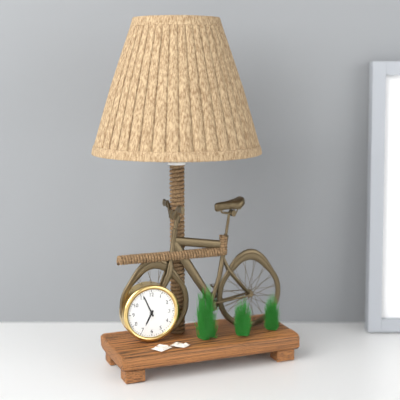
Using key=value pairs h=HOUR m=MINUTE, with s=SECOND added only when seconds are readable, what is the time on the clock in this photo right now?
h=6 m=56
